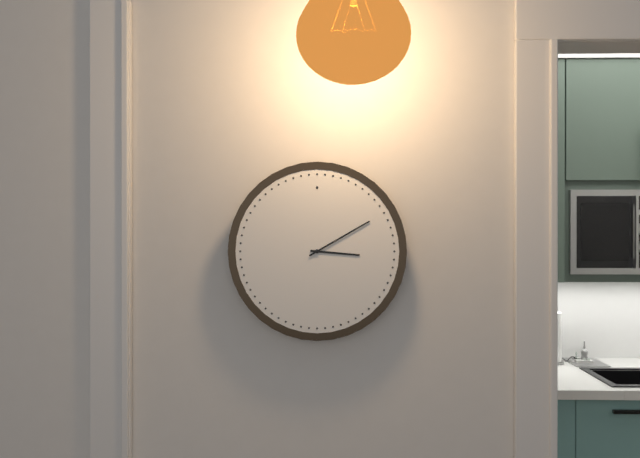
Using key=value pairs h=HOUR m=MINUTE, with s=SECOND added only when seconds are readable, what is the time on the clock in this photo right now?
h=3 m=10
